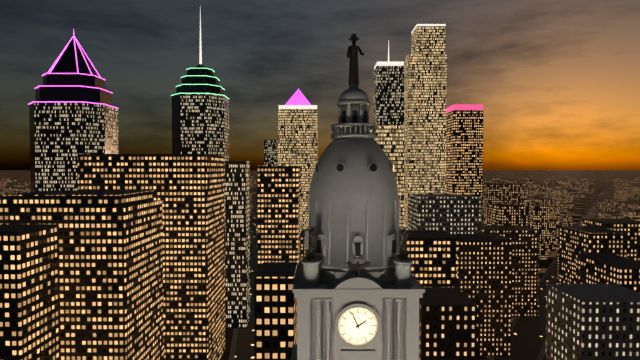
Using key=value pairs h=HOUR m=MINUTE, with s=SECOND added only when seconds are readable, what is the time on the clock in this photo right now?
h=1 m=56
